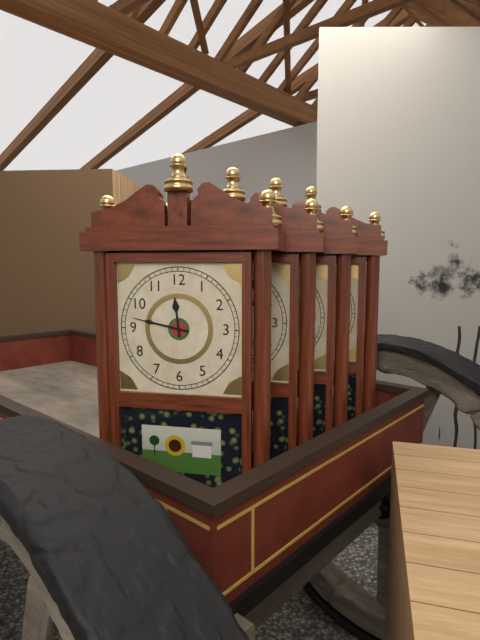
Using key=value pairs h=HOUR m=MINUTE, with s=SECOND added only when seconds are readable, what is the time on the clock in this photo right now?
h=11 m=47
